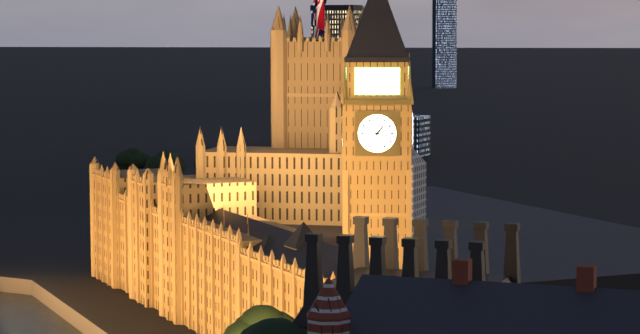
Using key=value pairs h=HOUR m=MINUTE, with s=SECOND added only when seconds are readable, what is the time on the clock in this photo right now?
h=1 m=17
